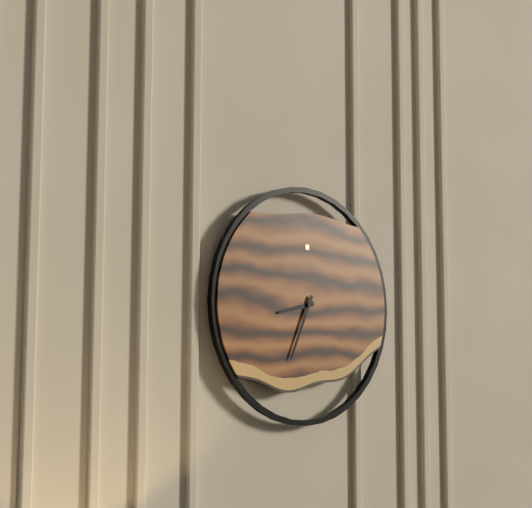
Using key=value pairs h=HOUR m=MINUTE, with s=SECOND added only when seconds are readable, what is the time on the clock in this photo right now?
h=8 m=34
